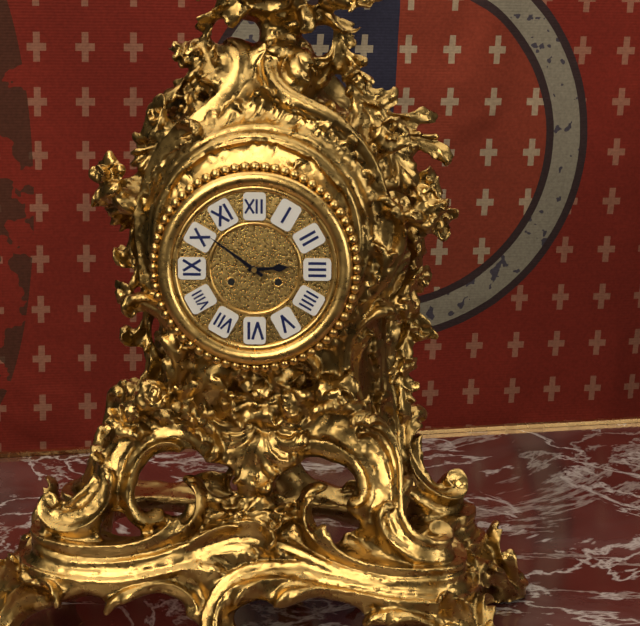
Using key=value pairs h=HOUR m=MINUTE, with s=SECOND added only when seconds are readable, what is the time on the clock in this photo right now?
h=2 m=51
